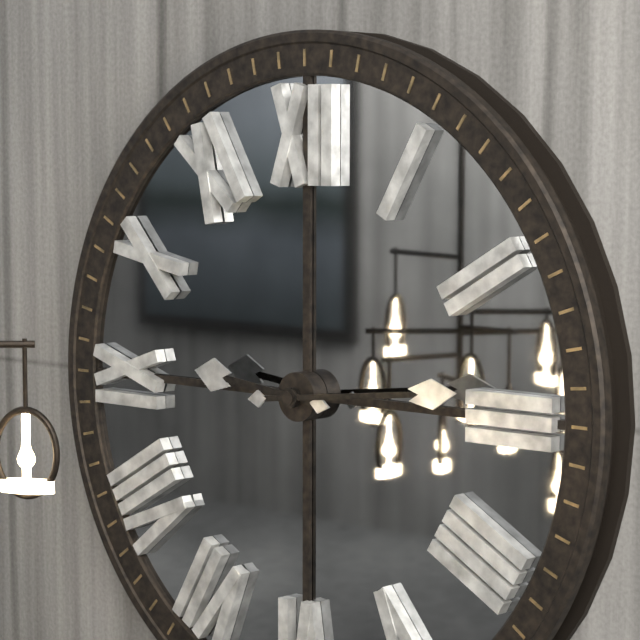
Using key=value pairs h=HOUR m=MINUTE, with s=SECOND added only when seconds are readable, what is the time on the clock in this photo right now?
h=9 m=14
